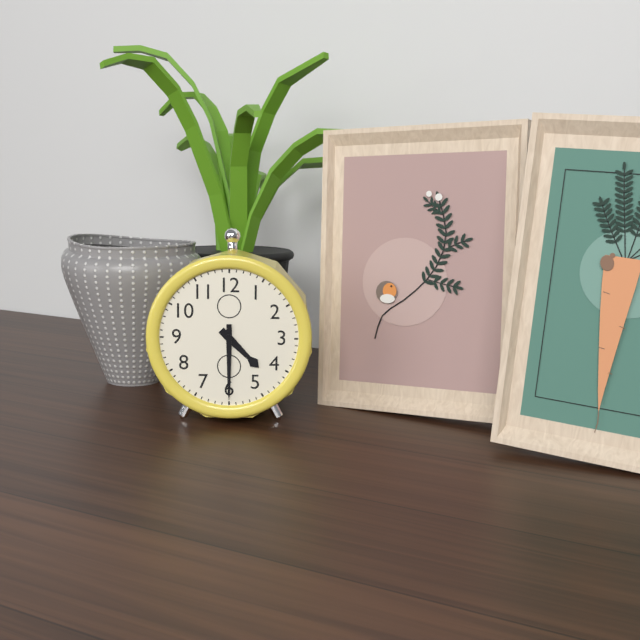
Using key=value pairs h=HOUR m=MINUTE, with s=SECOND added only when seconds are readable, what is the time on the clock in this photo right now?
h=4 m=30
